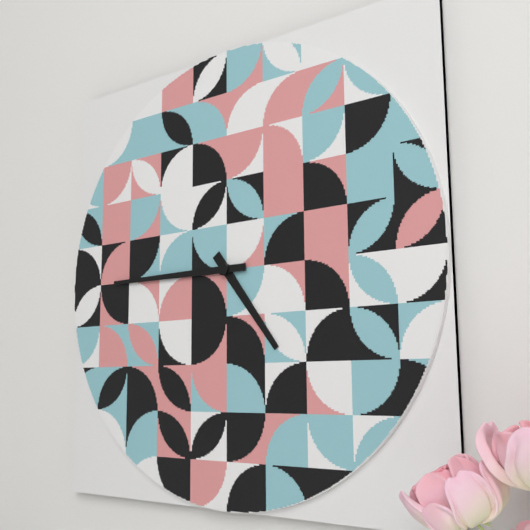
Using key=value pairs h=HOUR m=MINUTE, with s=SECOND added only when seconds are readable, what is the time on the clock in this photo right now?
h=4 m=45
